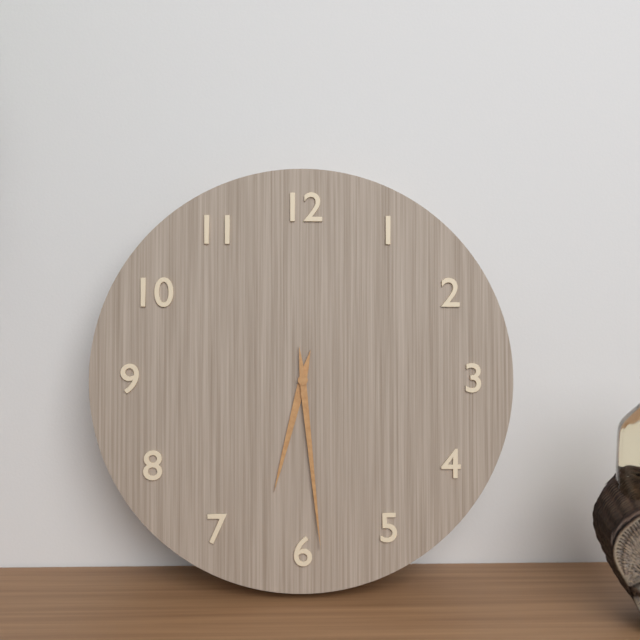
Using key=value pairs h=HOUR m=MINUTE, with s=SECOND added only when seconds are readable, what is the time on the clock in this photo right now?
h=6 m=29
